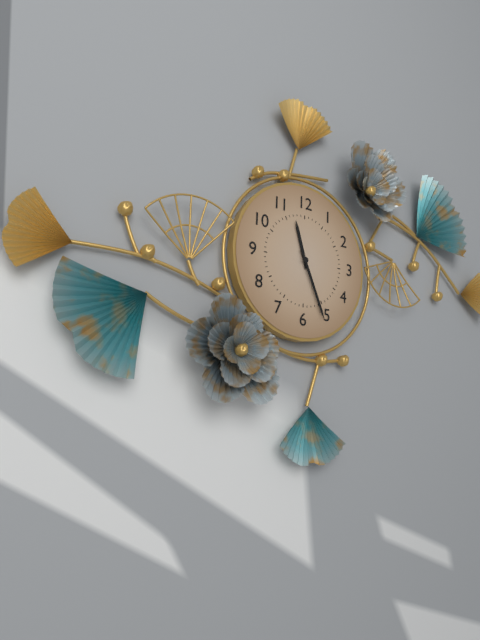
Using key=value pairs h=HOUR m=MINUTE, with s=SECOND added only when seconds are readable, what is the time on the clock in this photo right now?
h=11 m=26
